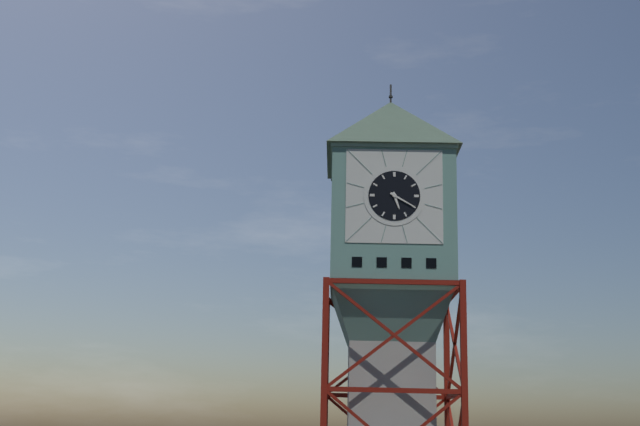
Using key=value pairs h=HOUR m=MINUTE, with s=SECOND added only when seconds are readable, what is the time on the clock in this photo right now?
h=5 m=20
